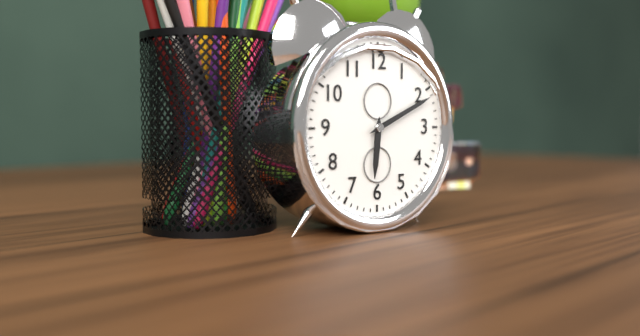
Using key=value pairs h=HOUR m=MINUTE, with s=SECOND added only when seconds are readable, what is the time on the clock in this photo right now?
h=6 m=11
